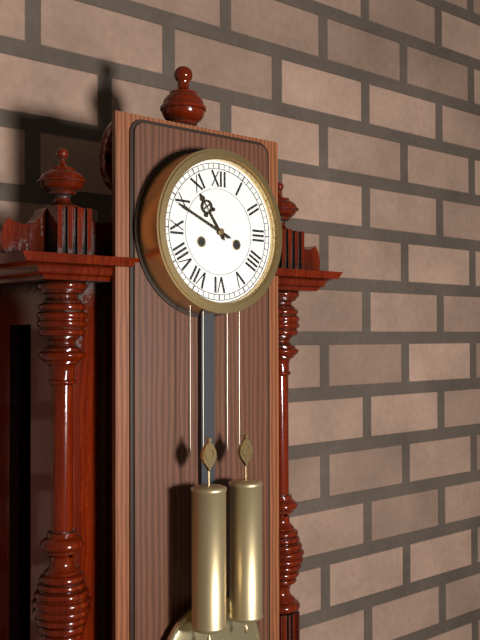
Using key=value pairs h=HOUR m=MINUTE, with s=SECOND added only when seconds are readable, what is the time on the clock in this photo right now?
h=10 m=49
